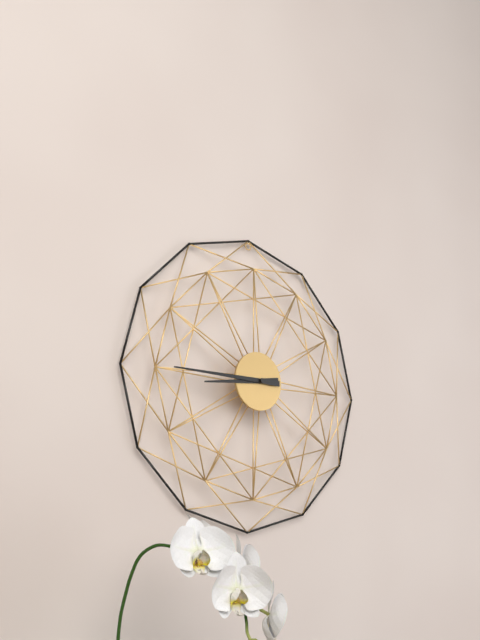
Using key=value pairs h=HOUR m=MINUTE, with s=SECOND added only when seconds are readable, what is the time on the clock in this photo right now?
h=8 m=45
